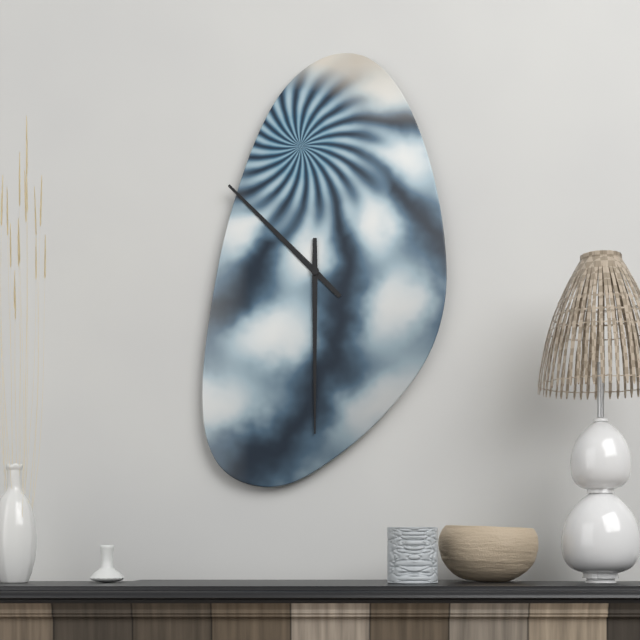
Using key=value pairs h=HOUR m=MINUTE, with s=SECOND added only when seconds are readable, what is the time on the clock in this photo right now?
h=10 m=30
